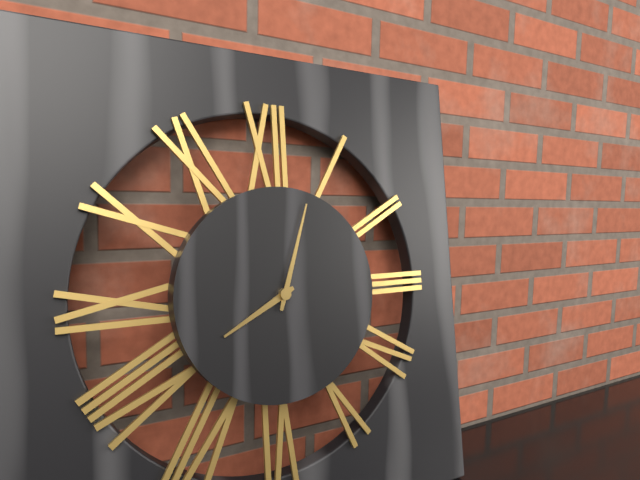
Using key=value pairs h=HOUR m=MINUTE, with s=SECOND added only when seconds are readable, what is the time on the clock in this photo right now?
h=8 m=3
